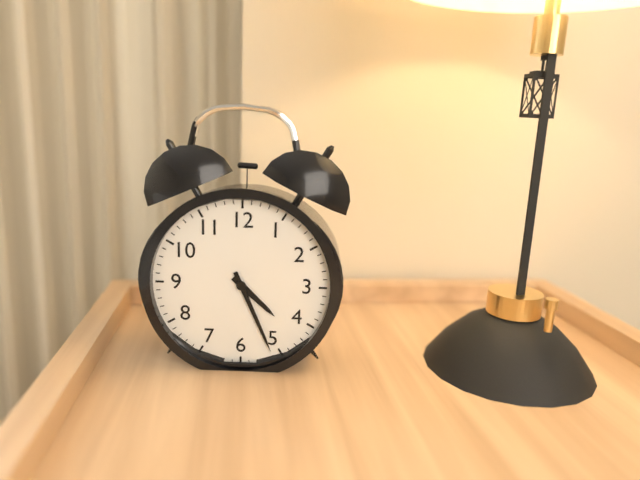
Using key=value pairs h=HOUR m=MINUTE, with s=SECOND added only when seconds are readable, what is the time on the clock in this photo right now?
h=4 m=26
